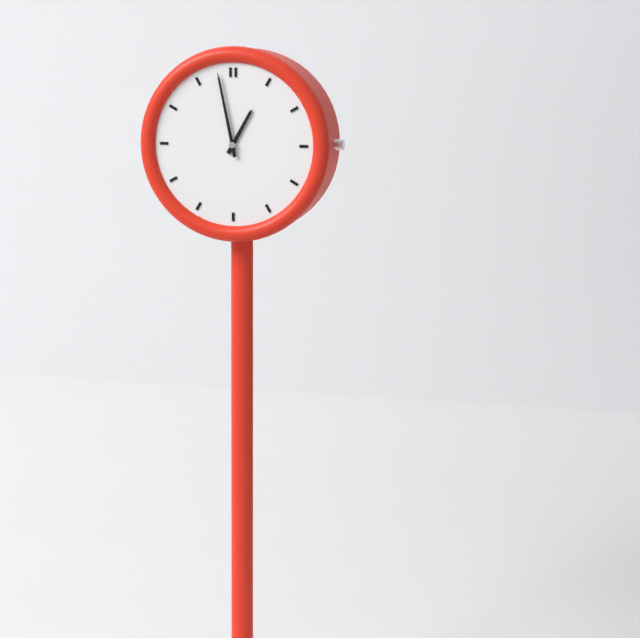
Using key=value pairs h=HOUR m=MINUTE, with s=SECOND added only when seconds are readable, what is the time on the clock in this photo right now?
h=12 m=58
